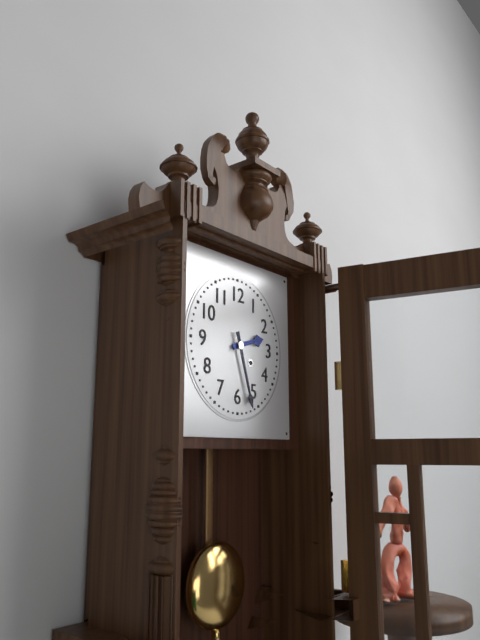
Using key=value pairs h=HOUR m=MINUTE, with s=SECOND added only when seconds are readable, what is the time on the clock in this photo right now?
h=2 m=27
